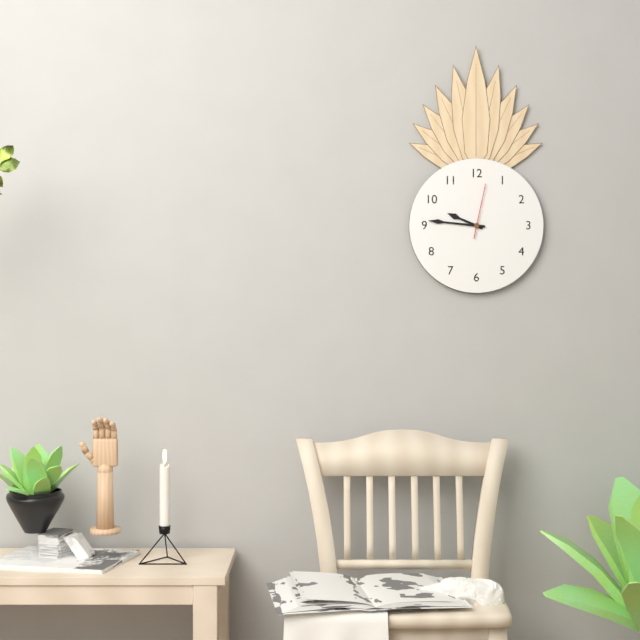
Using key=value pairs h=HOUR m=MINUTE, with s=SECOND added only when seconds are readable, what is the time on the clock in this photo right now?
h=9 m=46 s=2
